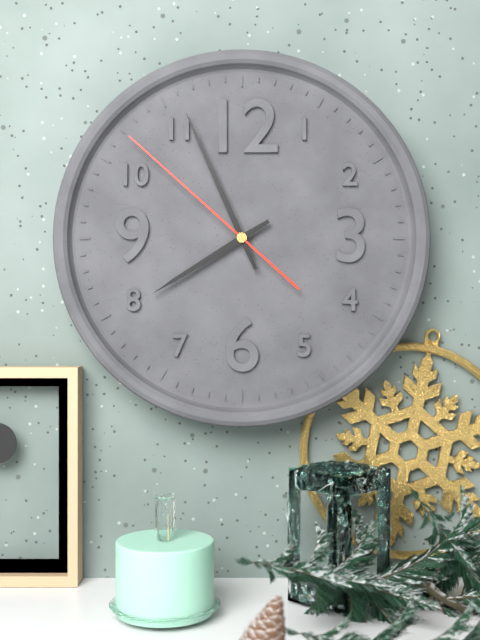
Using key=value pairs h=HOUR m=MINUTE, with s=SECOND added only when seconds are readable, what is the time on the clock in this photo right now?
h=7 m=56 s=52
